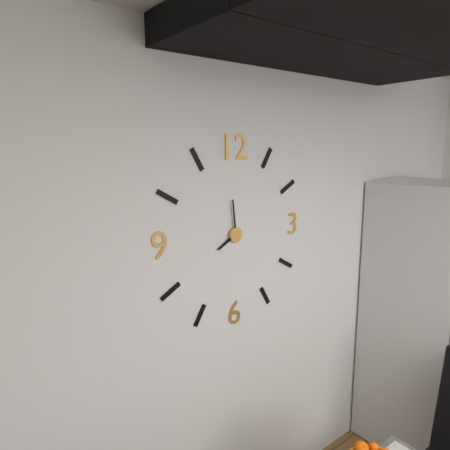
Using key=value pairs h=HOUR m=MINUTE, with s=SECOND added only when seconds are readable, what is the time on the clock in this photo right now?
h=7 m=59
